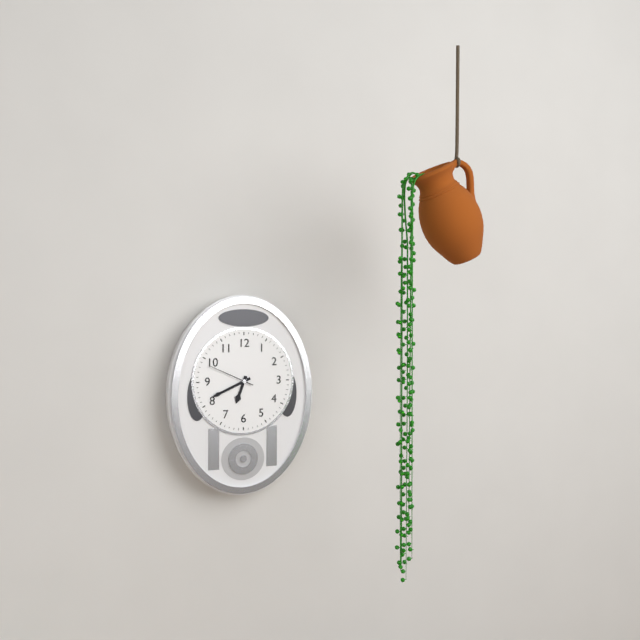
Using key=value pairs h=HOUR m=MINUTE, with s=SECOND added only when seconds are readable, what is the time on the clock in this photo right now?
h=6 m=41
